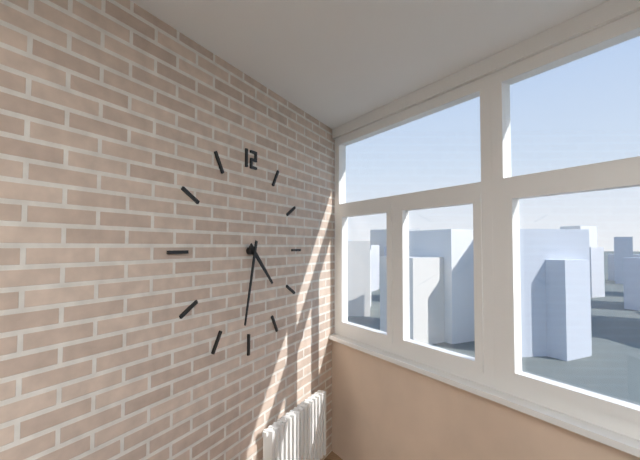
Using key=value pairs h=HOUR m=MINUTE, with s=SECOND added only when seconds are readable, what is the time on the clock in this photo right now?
h=4 m=32
